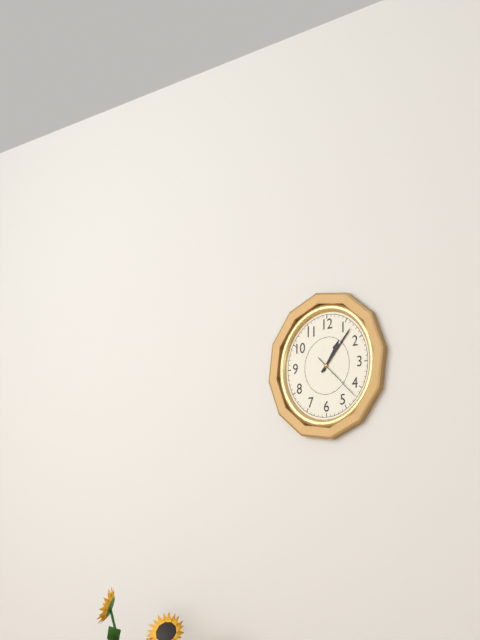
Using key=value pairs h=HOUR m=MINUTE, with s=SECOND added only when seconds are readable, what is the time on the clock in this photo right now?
h=1 m=7 s=22
